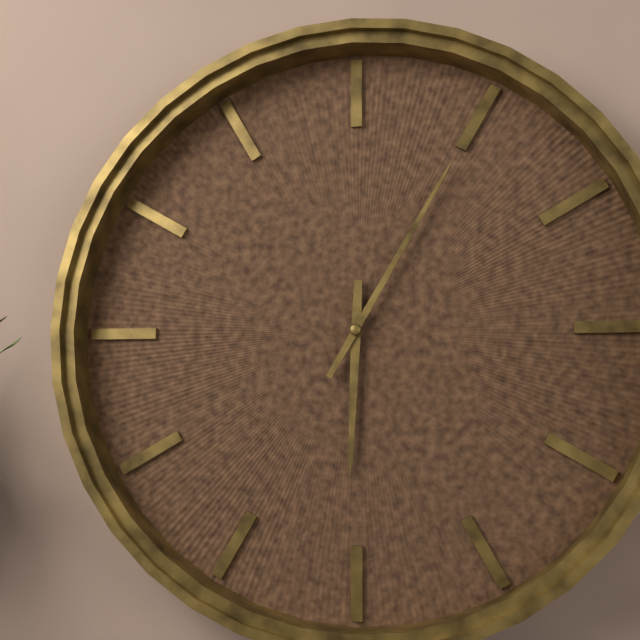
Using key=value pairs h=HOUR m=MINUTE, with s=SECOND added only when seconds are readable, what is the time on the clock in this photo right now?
h=6 m=5
